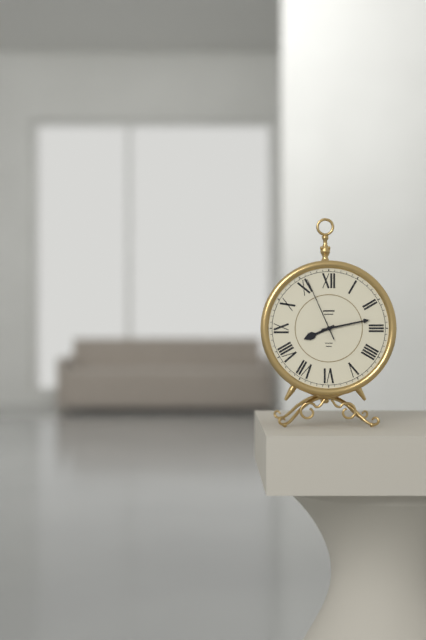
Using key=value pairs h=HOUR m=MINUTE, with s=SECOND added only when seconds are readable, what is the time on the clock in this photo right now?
h=8 m=13 s=56
